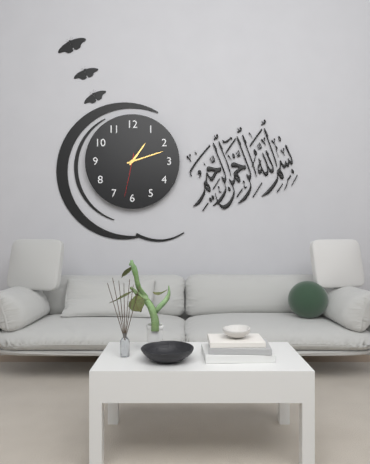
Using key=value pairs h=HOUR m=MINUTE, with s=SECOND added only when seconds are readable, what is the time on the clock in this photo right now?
h=1 m=12
